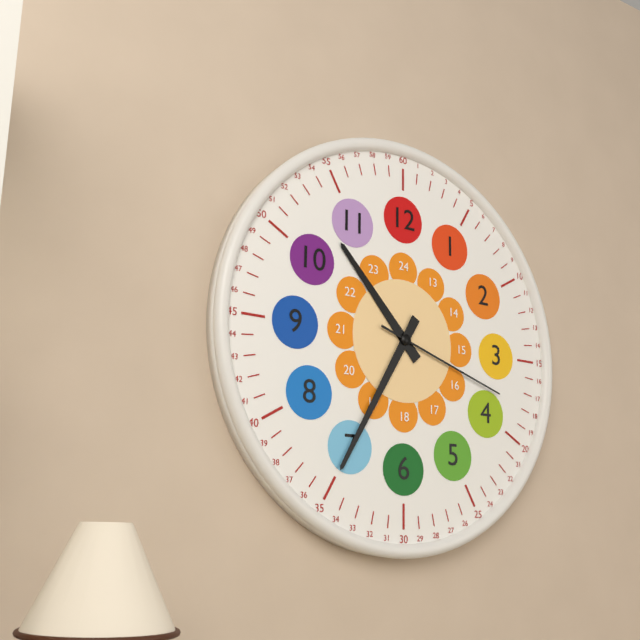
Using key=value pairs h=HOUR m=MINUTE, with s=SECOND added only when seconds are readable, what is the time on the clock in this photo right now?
h=10 m=35 s=18
